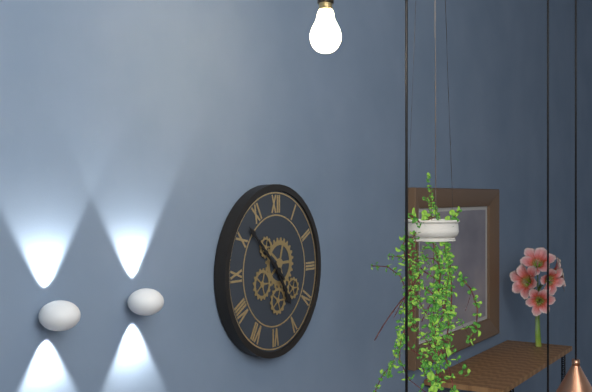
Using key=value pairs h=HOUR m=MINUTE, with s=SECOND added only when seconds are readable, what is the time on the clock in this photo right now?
h=4 m=52
